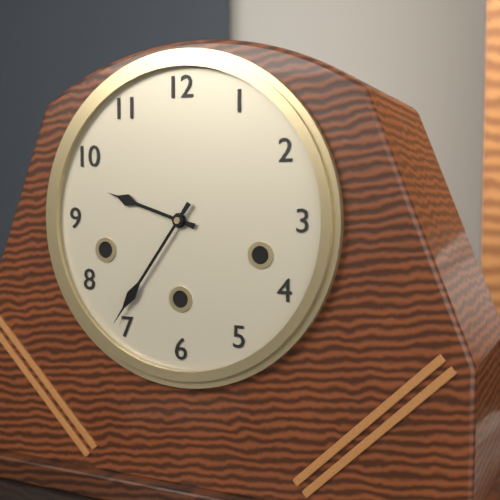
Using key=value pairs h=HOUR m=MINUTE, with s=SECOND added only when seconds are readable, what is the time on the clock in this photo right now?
h=9 m=36
